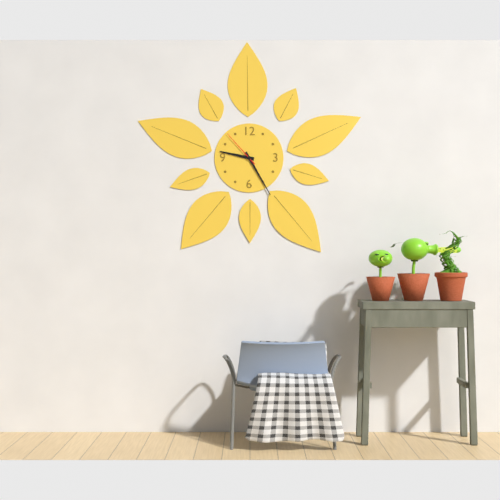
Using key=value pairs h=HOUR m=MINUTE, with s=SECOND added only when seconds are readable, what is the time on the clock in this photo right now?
h=9 m=25
